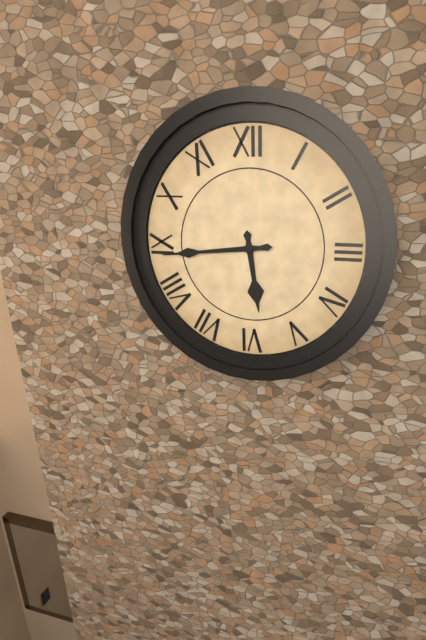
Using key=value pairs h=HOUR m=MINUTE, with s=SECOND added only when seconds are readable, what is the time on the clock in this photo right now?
h=5 m=44
